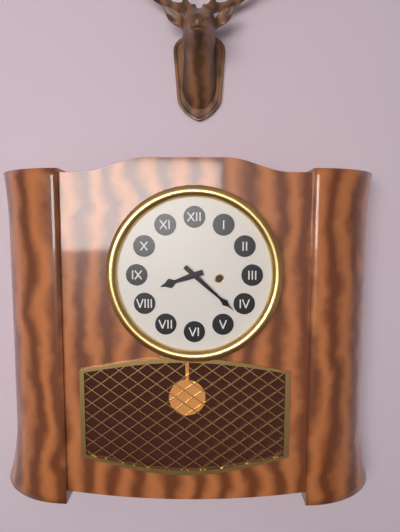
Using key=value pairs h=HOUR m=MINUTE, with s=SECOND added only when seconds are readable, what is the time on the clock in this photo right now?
h=8 m=22
